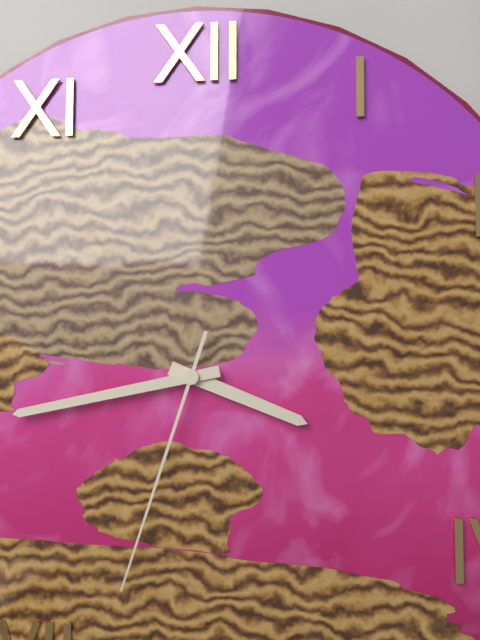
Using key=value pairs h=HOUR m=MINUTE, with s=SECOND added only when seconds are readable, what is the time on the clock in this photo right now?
h=3 m=43 s=33
